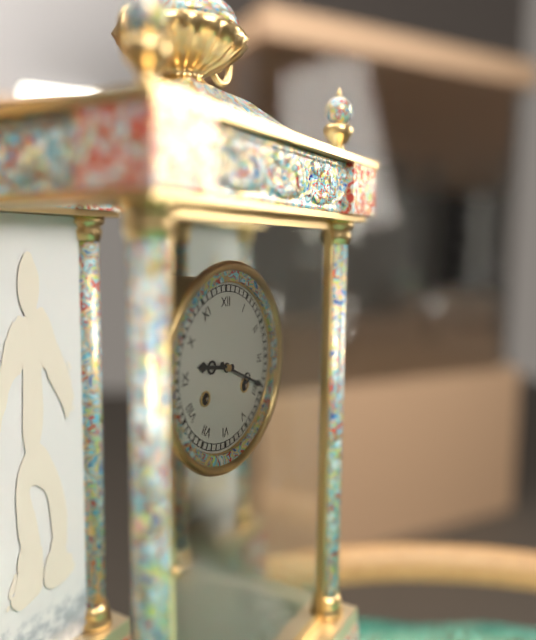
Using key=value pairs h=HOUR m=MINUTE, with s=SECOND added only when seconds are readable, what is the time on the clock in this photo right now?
h=9 m=19
